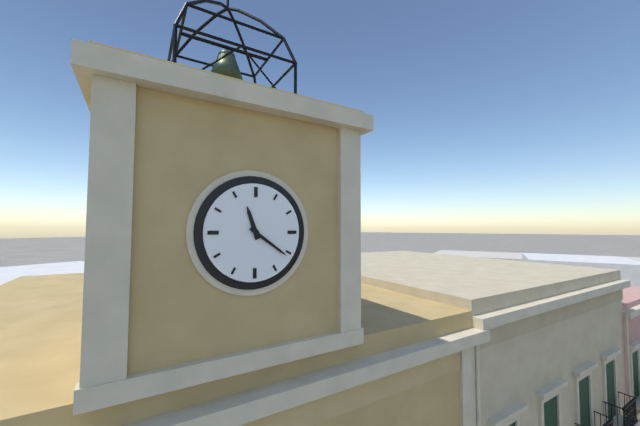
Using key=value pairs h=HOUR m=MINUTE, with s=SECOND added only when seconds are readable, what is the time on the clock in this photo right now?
h=11 m=21
